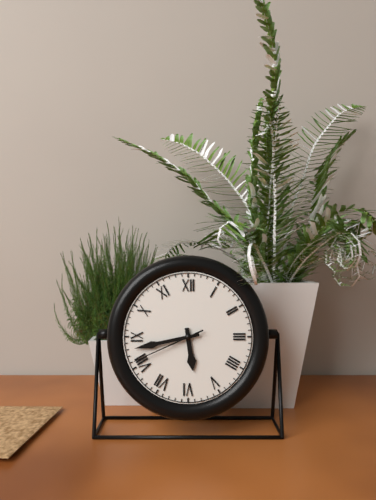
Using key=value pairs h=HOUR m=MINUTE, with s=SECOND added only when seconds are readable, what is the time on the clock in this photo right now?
h=5 m=43 s=41
